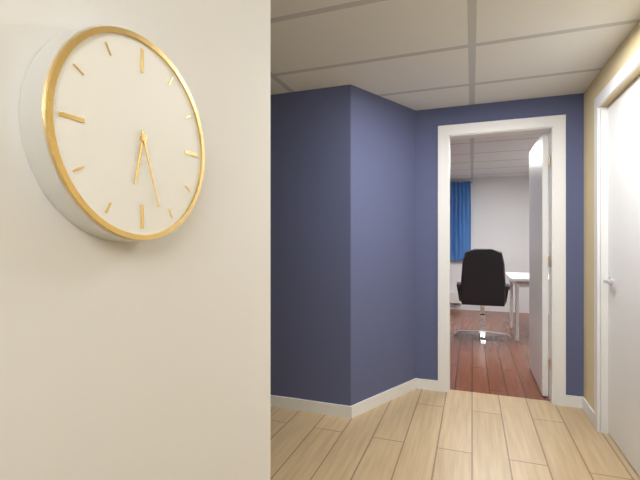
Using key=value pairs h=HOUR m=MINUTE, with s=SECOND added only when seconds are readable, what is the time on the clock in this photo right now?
h=6 m=27
